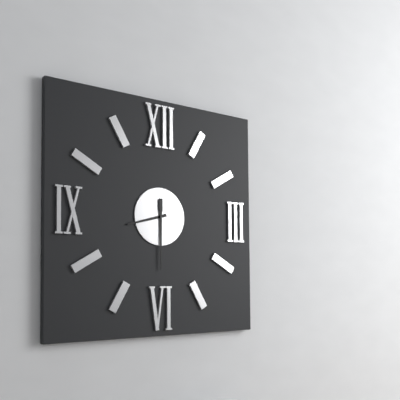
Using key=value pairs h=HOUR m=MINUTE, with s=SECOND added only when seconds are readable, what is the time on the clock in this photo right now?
h=8 m=30
